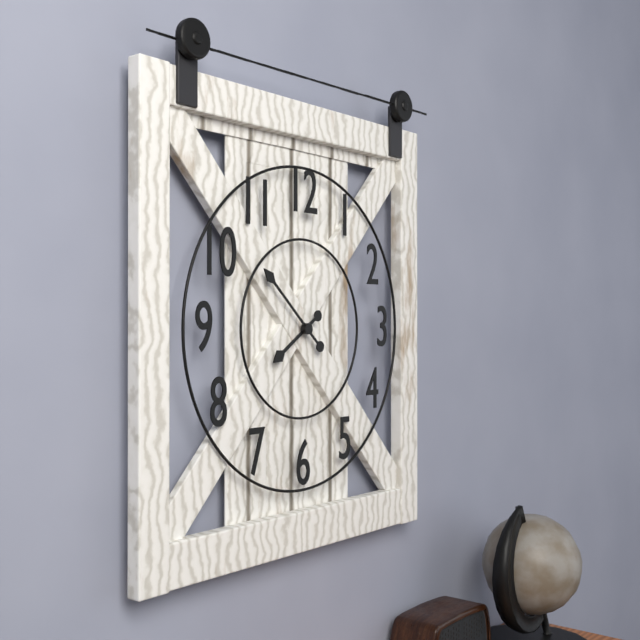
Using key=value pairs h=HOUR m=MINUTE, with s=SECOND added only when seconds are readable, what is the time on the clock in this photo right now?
h=7 m=52
